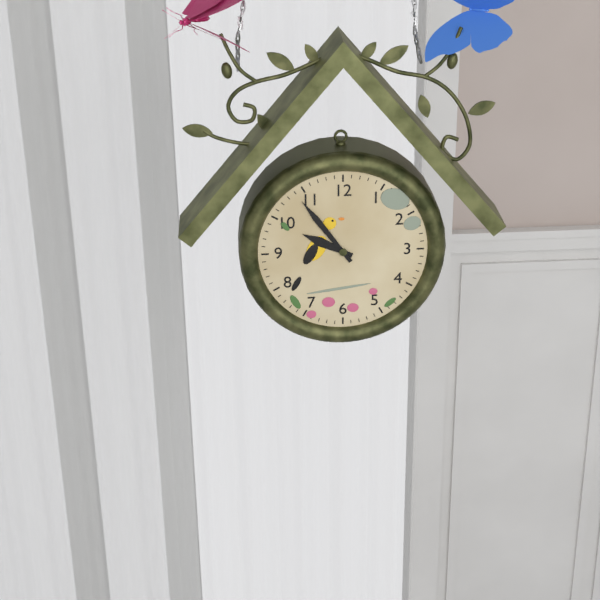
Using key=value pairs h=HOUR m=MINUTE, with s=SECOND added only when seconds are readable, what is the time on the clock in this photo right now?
h=9 m=54
